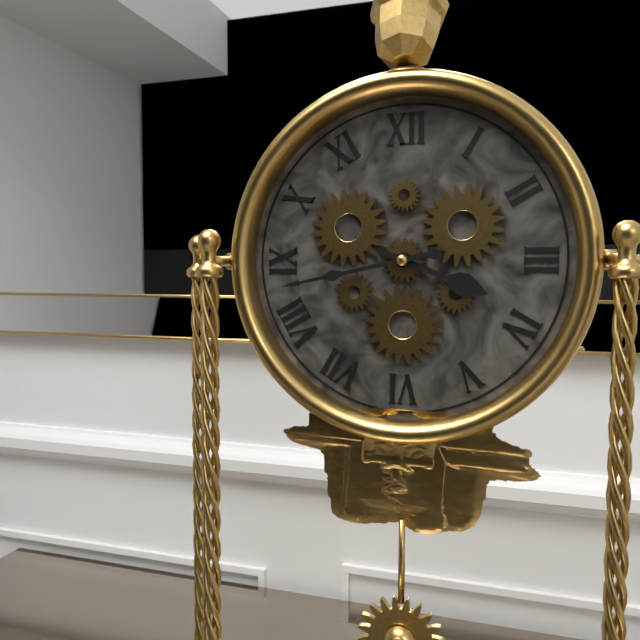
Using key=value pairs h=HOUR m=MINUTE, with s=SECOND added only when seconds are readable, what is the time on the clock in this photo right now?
h=3 m=43
